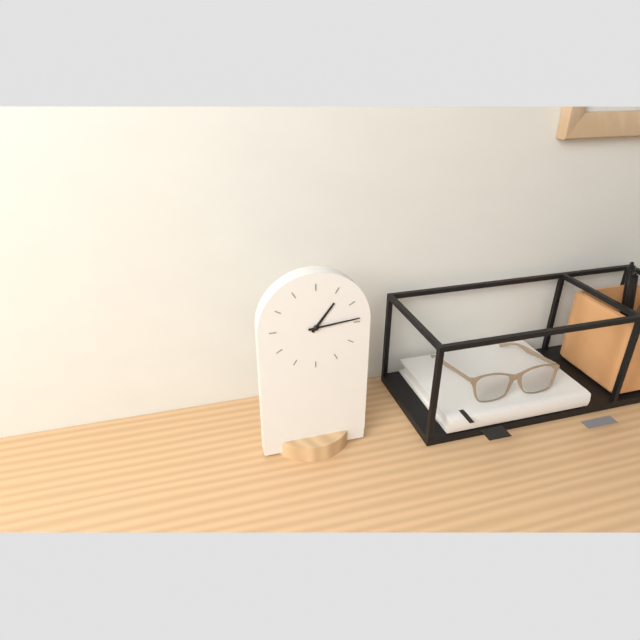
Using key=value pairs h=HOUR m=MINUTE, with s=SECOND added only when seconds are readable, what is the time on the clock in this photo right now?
h=1 m=14
